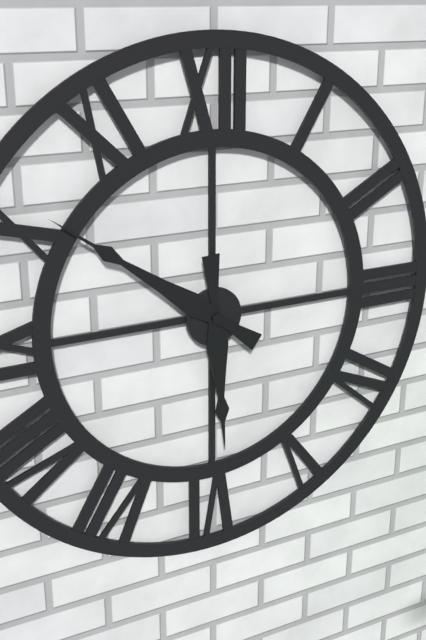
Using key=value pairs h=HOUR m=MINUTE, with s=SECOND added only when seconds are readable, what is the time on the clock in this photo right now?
h=5 m=51
